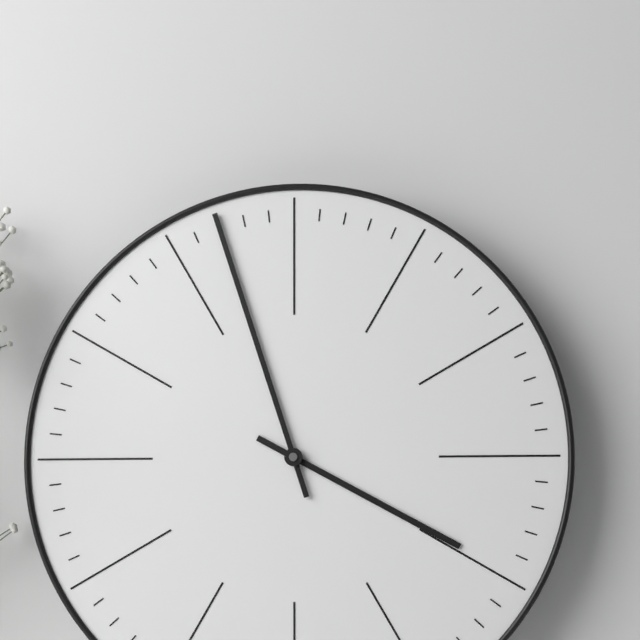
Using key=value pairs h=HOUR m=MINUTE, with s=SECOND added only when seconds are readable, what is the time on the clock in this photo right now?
h=3 m=57
